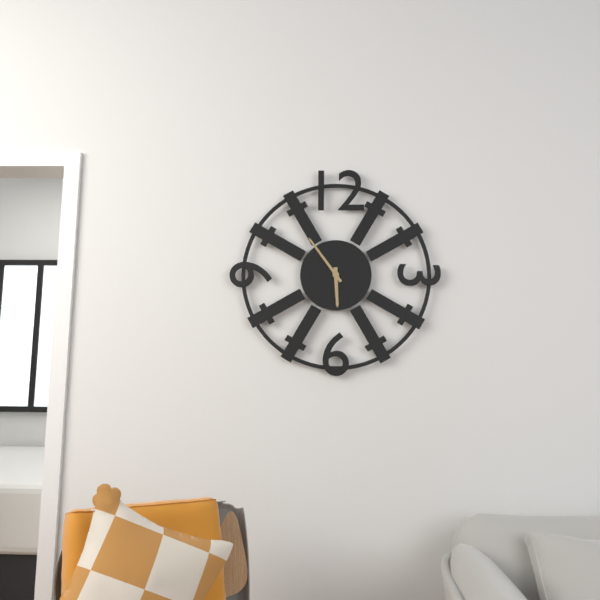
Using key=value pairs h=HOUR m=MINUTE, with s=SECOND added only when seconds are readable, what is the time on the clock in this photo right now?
h=5 m=54
